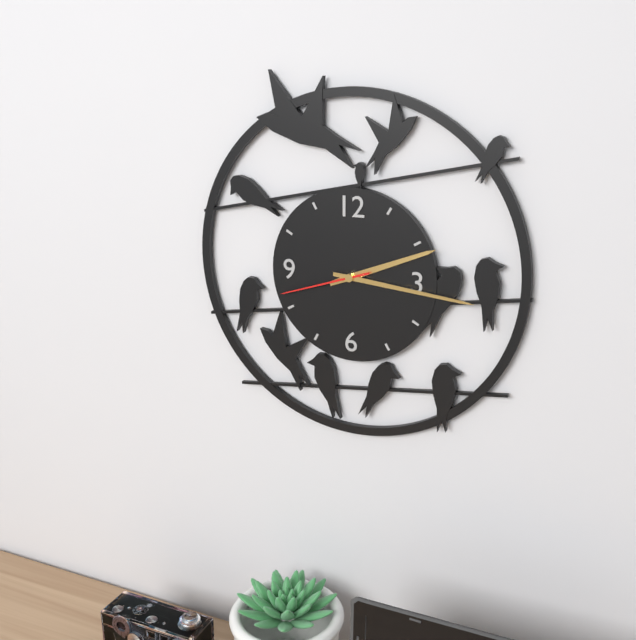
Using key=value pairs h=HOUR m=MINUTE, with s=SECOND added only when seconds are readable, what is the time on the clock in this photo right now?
h=2 m=16 s=42
